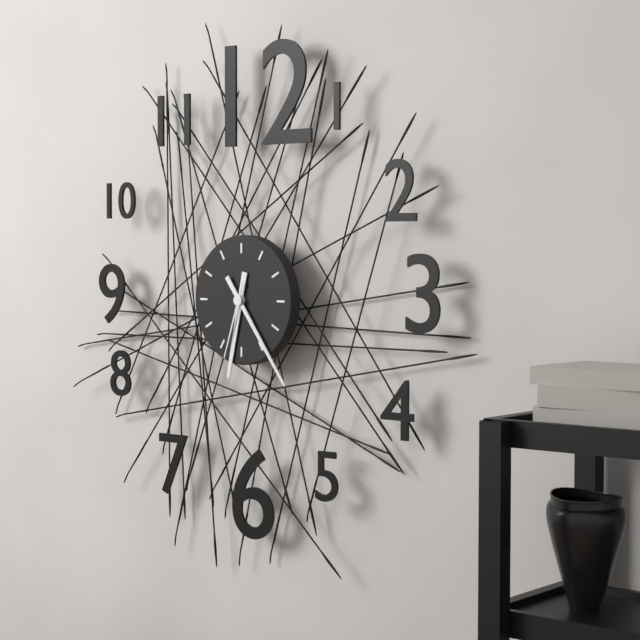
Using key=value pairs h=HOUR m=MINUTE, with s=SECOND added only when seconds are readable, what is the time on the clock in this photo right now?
h=6 m=24 s=33
